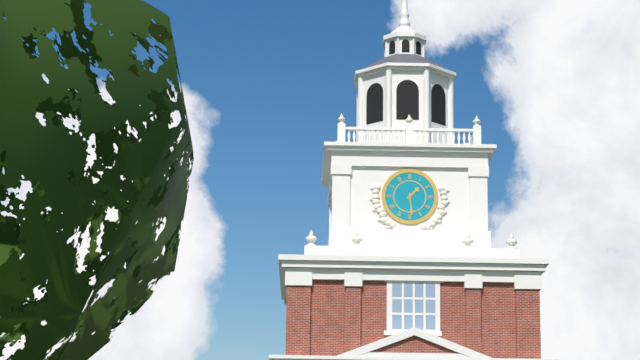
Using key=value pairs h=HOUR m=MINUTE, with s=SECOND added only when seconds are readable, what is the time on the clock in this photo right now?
h=1 m=29
